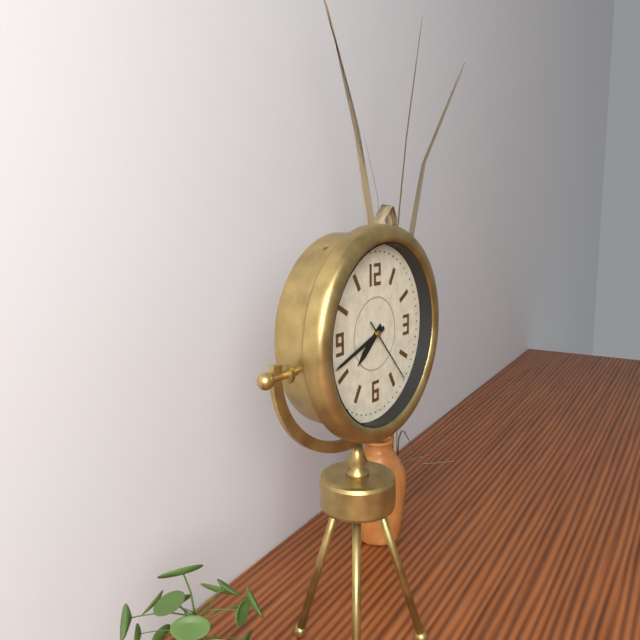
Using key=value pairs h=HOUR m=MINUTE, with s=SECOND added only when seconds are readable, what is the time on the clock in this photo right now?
h=7 m=42 s=23
